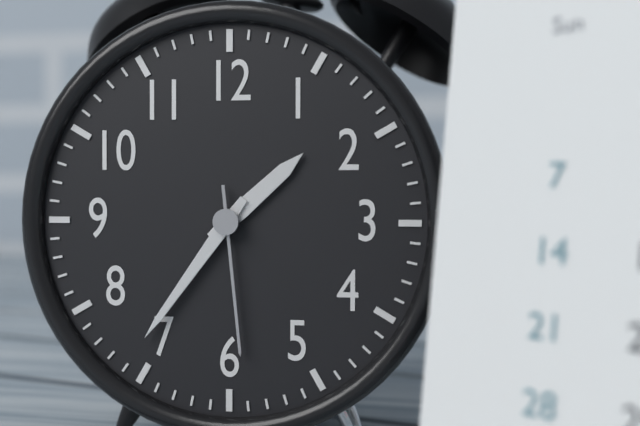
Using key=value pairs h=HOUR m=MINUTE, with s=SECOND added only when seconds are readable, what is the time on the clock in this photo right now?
h=1 m=36 s=29
